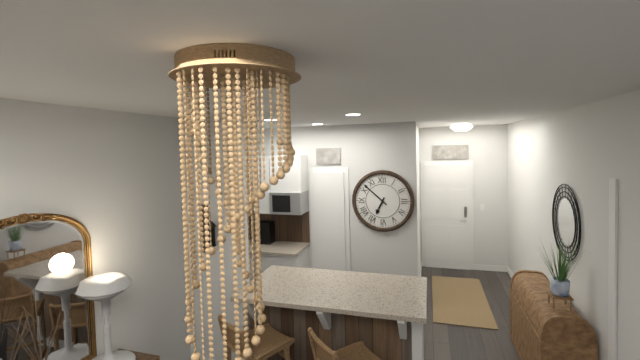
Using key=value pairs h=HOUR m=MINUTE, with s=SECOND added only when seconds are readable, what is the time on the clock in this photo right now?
h=6 m=52
